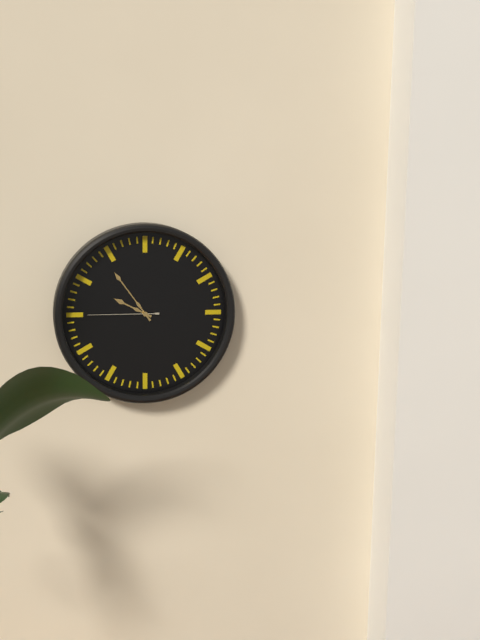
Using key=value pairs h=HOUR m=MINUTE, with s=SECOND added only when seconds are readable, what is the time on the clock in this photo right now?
h=9 m=54 s=45
